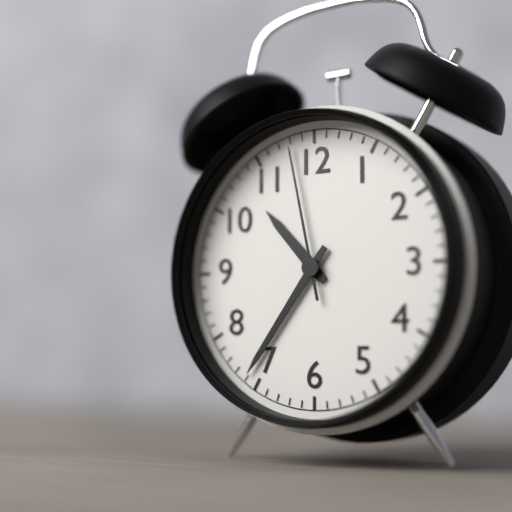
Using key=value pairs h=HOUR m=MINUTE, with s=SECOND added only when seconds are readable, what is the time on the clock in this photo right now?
h=10 m=36 s=58
